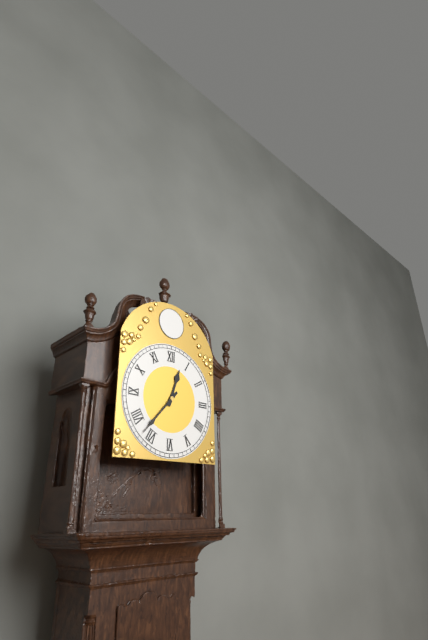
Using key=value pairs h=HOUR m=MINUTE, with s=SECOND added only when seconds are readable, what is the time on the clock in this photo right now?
h=12 m=37
